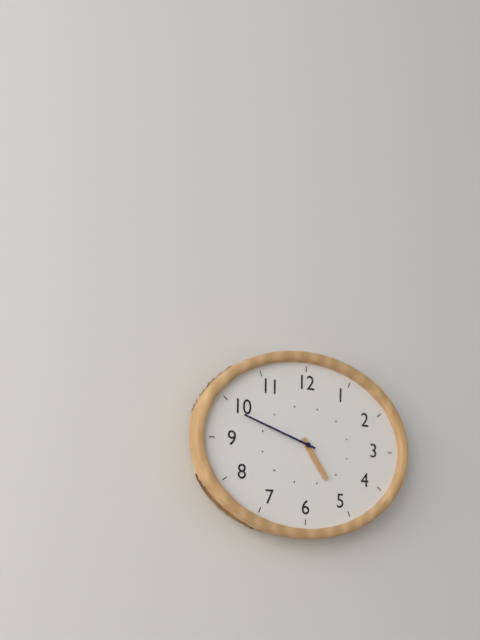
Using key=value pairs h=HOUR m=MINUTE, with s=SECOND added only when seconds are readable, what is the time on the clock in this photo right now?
h=4 m=48
